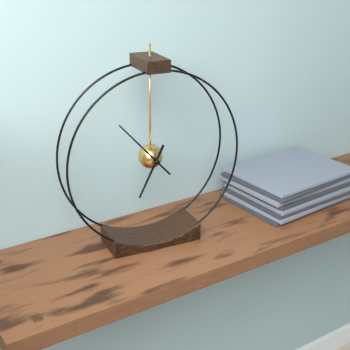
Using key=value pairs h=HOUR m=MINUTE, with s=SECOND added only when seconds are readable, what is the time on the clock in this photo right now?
h=6 m=53
